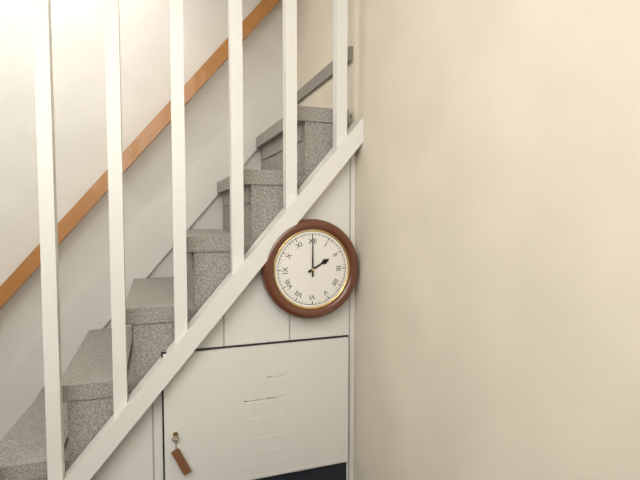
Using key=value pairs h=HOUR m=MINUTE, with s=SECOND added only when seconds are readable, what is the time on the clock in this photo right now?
h=2 m=0
